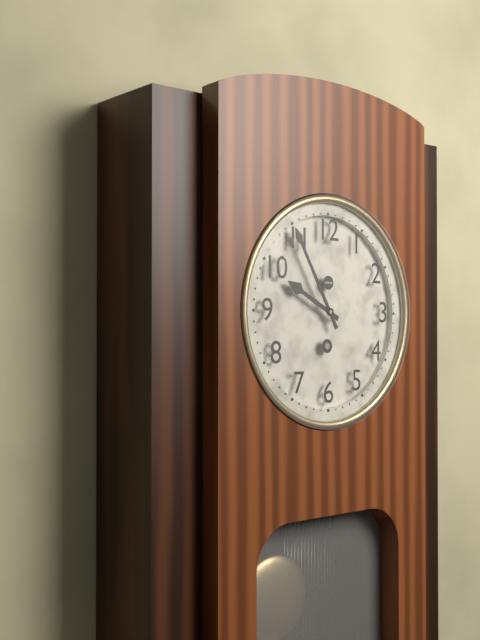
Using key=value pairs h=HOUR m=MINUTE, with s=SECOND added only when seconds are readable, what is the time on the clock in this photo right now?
h=9 m=55
